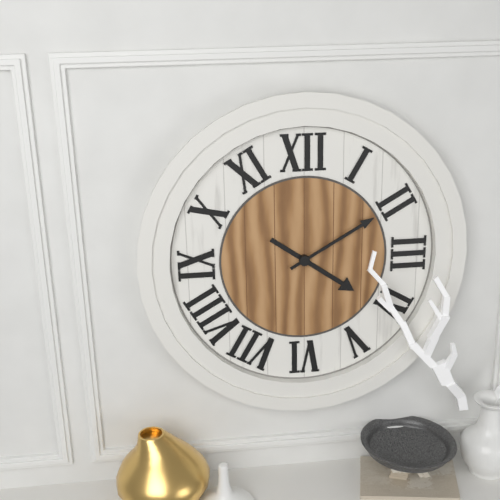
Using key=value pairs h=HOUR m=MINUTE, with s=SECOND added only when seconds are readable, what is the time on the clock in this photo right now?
h=4 m=10
